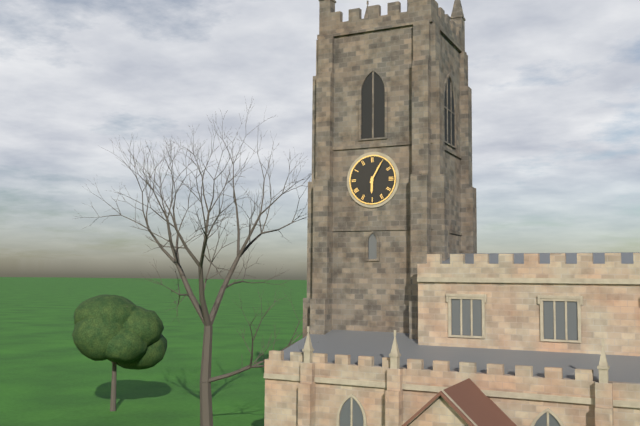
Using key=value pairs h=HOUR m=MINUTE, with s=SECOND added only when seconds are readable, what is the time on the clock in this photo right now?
h=6 m=5
